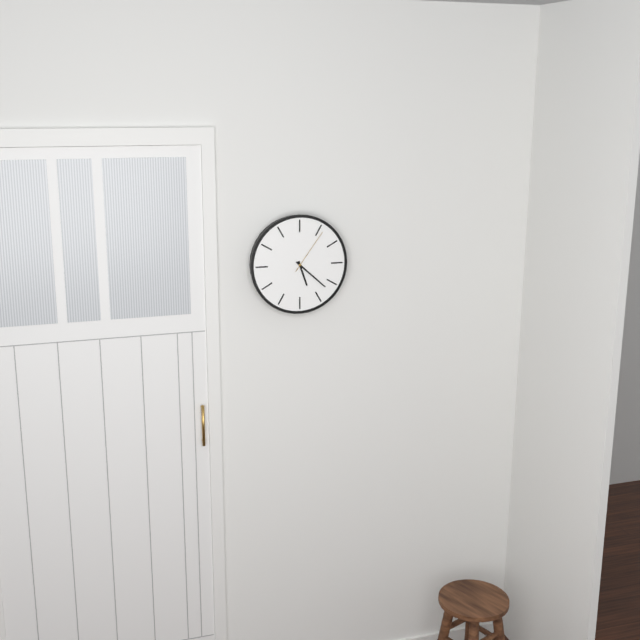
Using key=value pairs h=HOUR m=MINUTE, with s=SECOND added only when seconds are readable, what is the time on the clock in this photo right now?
h=5 m=22 s=6
